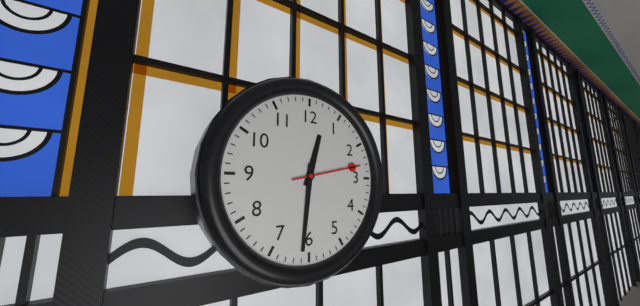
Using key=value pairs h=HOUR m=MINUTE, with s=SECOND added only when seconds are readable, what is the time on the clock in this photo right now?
h=12 m=31 s=13
